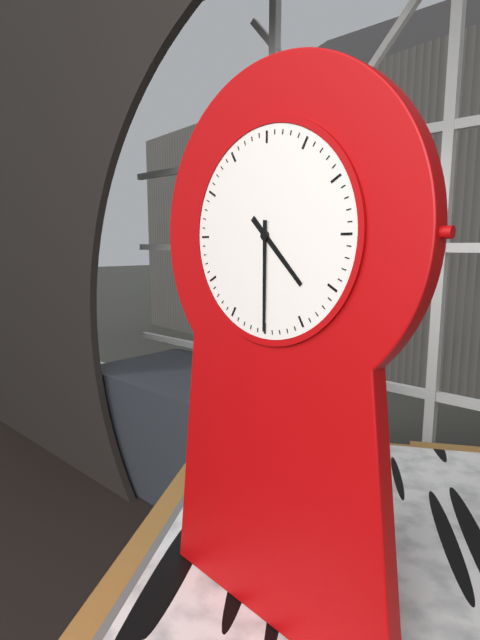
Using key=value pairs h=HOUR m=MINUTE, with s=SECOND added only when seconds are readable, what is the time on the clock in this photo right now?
h=4 m=30
